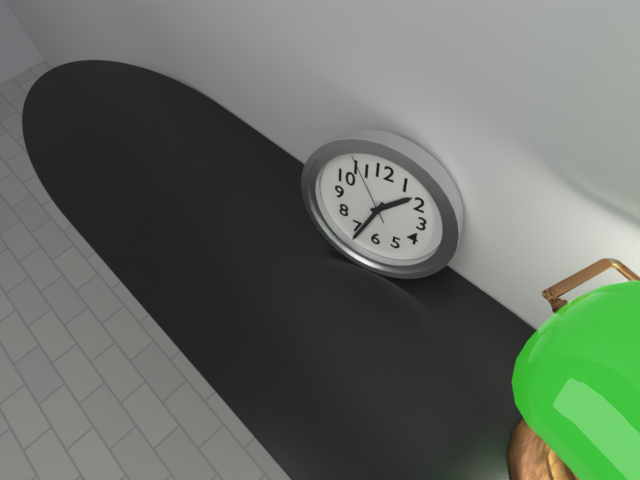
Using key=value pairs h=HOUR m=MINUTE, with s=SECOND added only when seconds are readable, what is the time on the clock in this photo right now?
h=1 m=34 s=55
